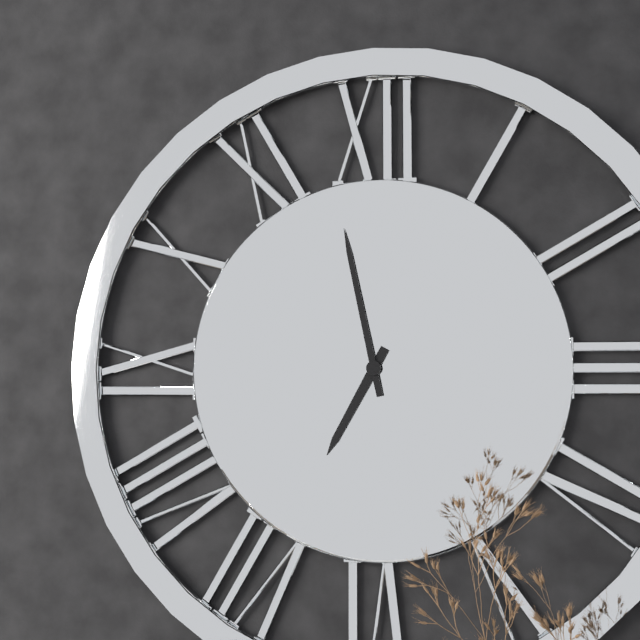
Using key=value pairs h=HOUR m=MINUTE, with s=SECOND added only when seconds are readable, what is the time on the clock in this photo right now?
h=6 m=58
